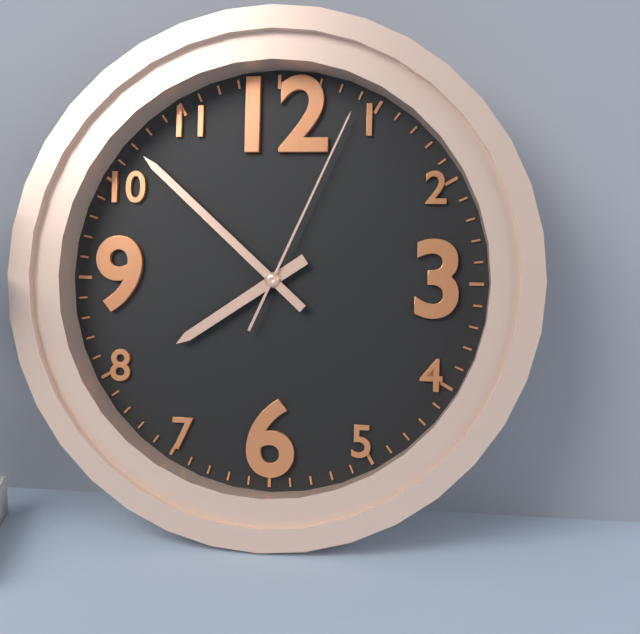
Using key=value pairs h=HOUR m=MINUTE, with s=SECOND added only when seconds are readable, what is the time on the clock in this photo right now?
h=7 m=52 s=4
